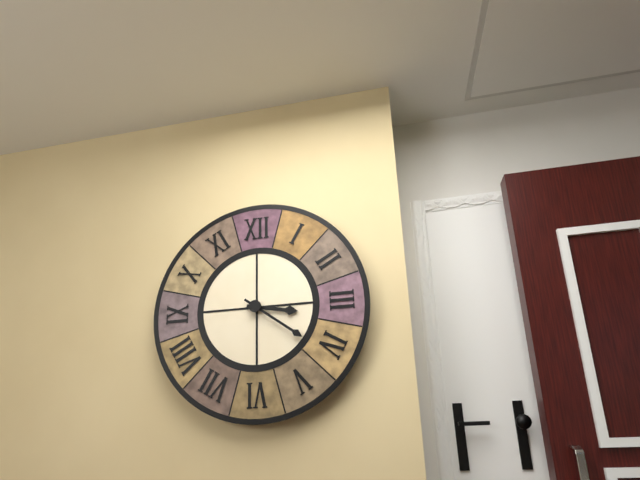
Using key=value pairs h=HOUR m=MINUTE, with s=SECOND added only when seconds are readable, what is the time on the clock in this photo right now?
h=3 m=21
